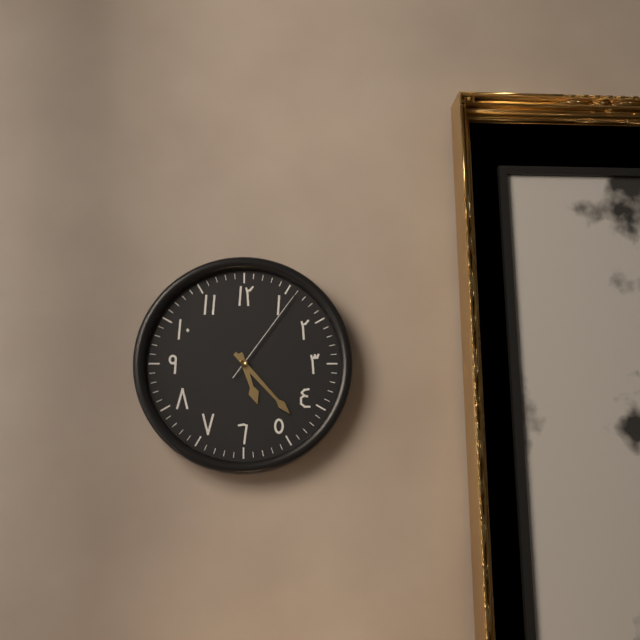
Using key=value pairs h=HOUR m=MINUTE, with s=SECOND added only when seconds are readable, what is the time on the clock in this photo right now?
h=5 m=23 s=6
